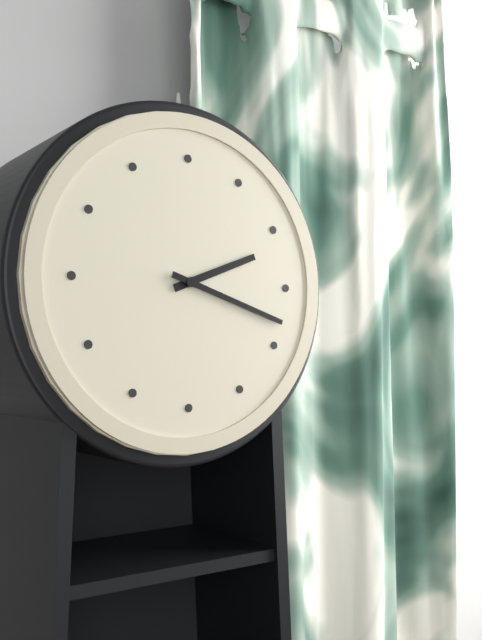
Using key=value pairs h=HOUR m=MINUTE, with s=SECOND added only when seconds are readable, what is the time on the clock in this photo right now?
h=2 m=18
